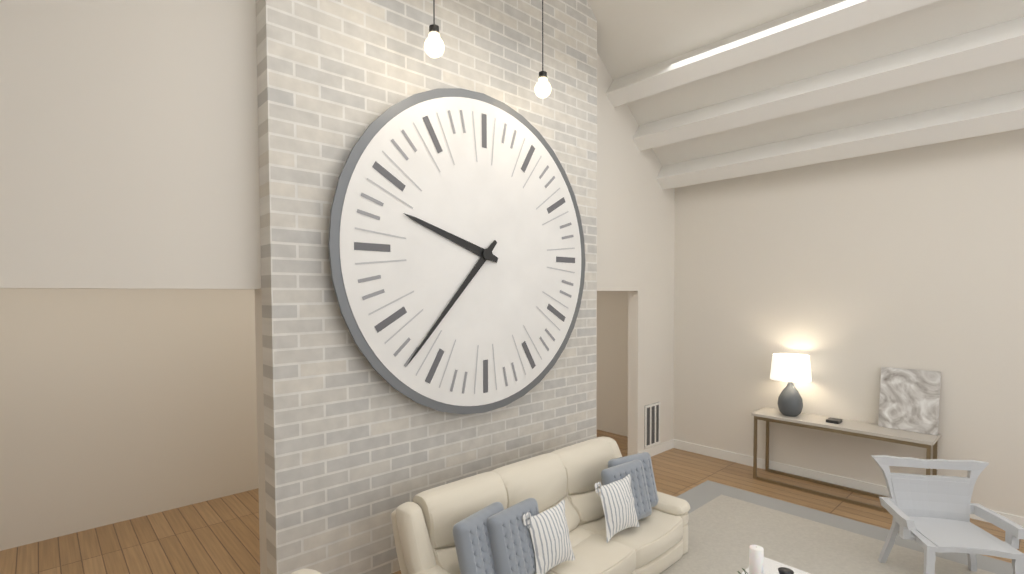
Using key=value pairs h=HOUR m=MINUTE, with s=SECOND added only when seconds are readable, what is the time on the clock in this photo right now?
h=9 m=37
